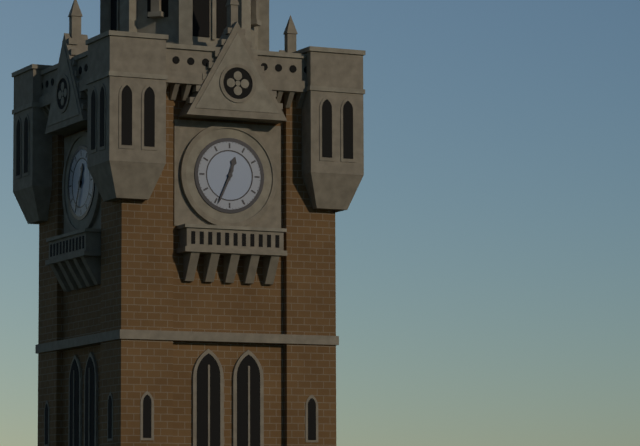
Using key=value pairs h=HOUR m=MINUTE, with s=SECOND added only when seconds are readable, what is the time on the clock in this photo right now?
h=12 m=34
